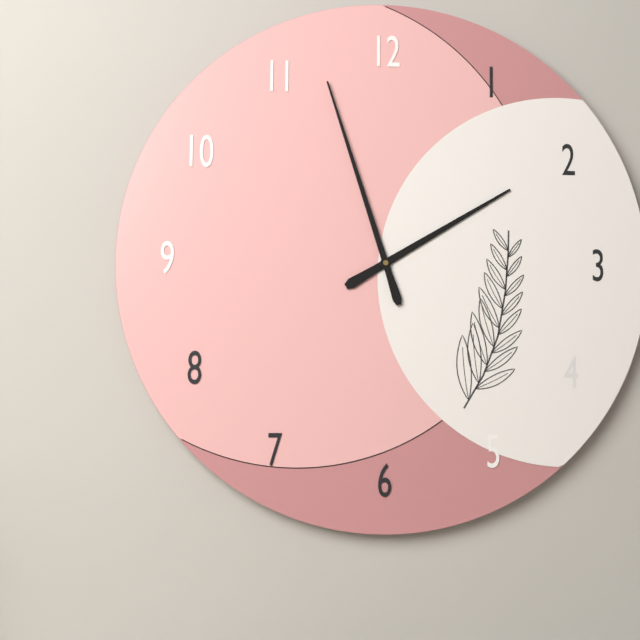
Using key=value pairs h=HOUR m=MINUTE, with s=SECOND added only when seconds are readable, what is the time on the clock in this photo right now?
h=1 m=57
